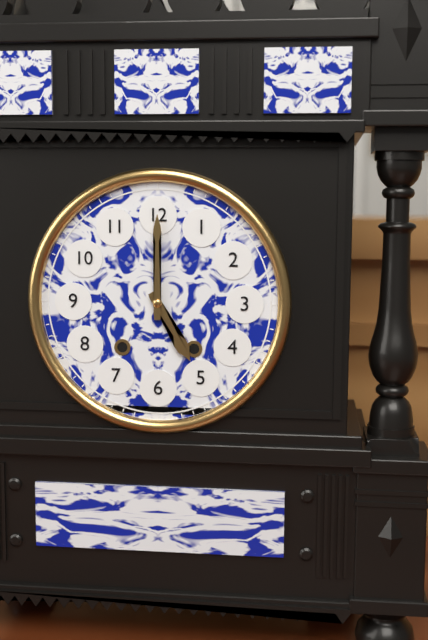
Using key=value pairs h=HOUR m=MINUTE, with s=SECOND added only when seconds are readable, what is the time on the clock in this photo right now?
h=5 m=0
